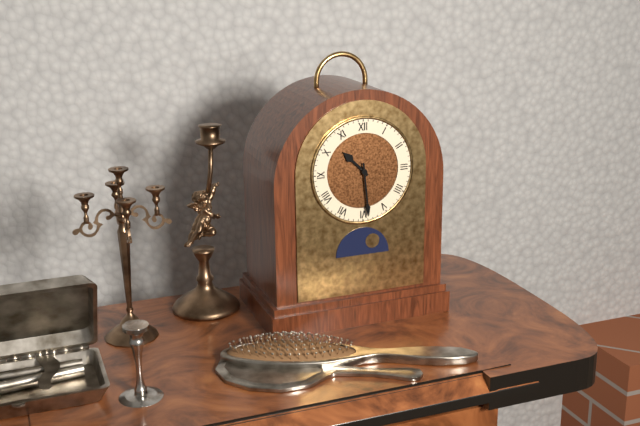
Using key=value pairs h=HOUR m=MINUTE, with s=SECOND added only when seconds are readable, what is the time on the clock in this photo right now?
h=10 m=29
